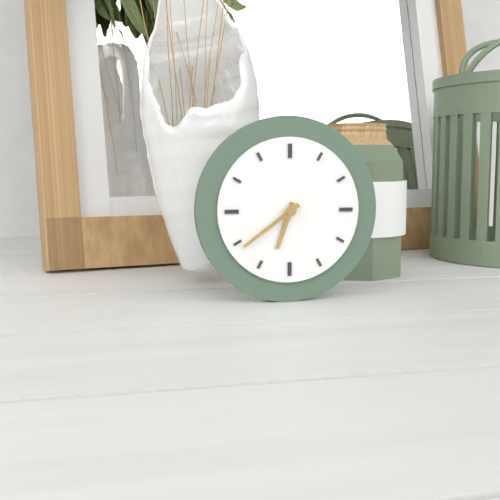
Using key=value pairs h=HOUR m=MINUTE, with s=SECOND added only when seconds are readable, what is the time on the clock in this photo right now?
h=6 m=39
